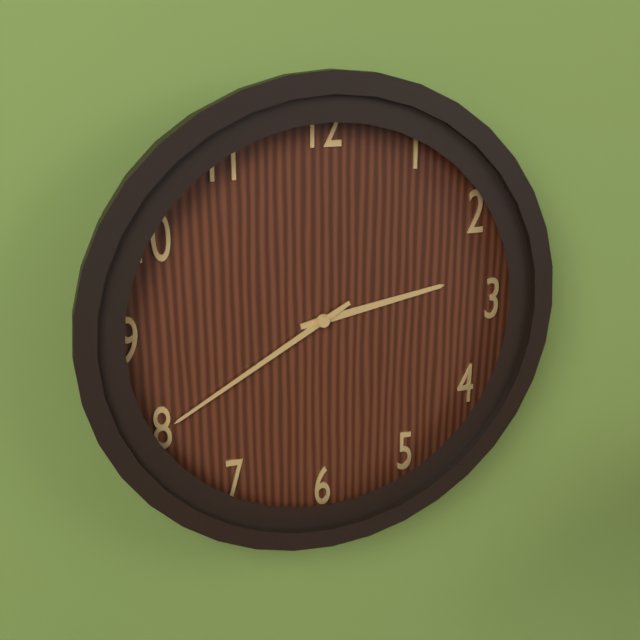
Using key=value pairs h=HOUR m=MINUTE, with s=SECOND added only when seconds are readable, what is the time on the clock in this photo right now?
h=2 m=40
